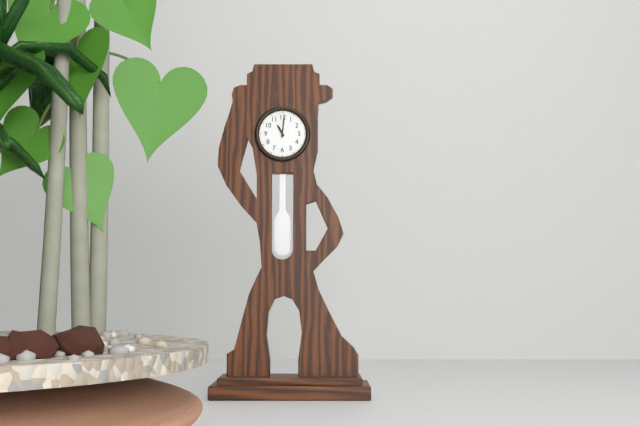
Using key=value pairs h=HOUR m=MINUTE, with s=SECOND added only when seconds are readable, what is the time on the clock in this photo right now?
h=11 m=1
